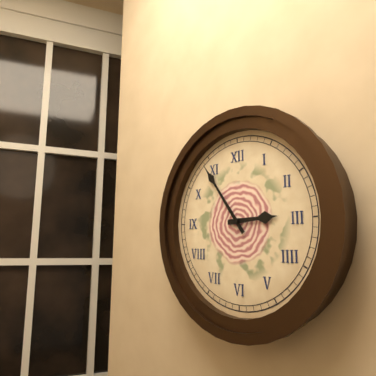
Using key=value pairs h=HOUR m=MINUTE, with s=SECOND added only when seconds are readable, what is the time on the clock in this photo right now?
h=2 m=54
